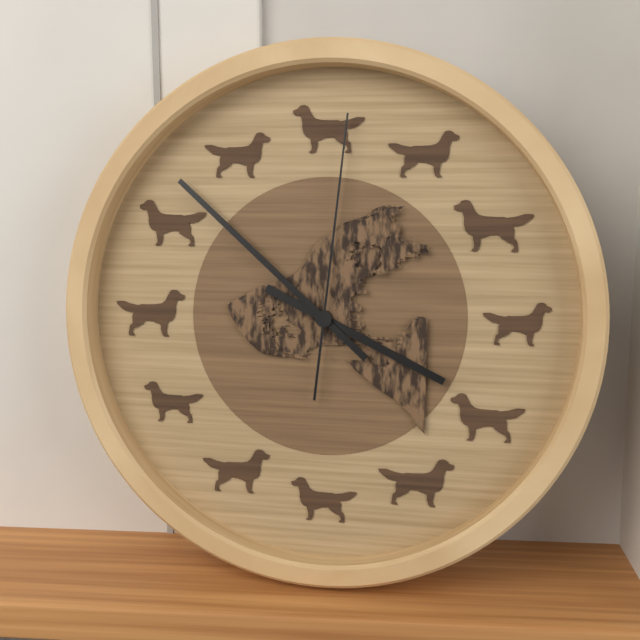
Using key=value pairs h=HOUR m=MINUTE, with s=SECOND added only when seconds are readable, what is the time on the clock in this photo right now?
h=3 m=52 s=1
